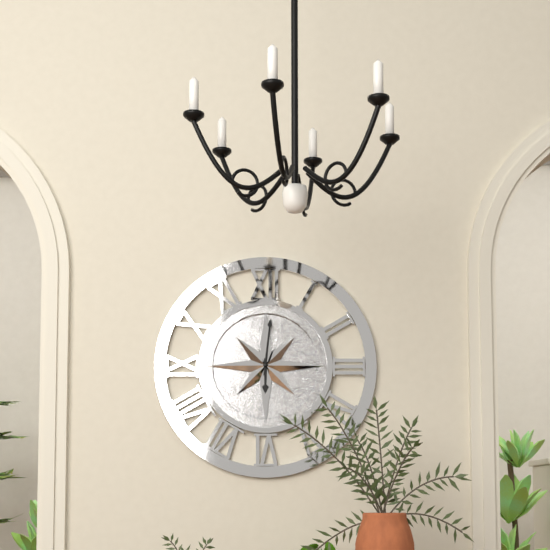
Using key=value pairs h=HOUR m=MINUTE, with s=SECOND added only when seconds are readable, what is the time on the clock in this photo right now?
h=6 m=1
